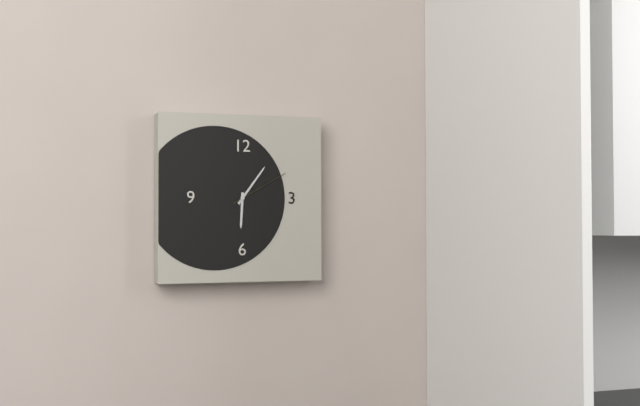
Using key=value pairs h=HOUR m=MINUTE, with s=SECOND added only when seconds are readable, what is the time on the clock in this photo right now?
h=6 m=6 s=10
